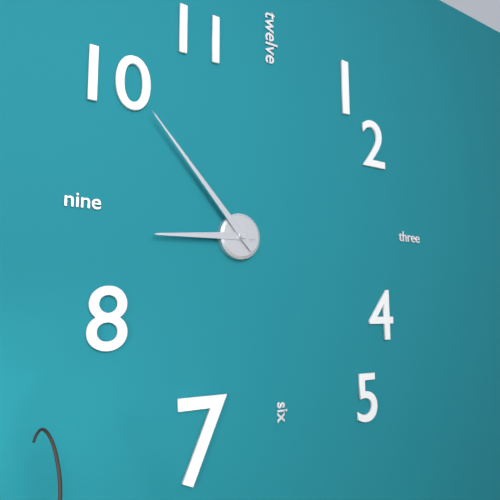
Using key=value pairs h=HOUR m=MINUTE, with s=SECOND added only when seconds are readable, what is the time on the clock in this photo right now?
h=8 m=53
